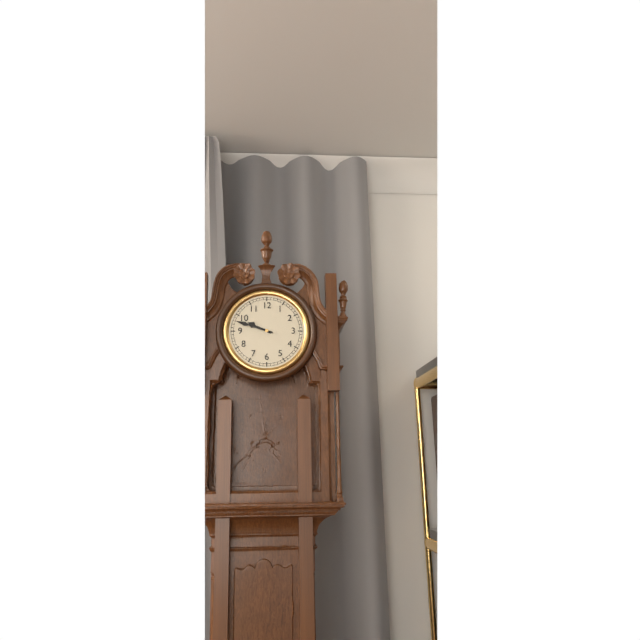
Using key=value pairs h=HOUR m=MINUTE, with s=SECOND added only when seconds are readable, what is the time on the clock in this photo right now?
h=9 m=48
